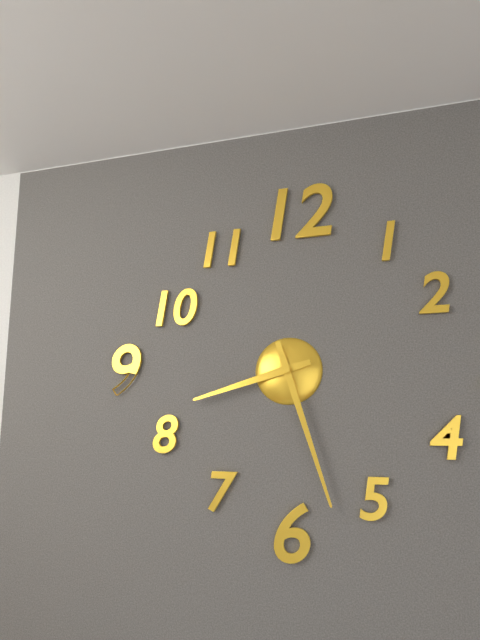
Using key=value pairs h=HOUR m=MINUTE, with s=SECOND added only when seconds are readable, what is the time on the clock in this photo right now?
h=8 m=27
